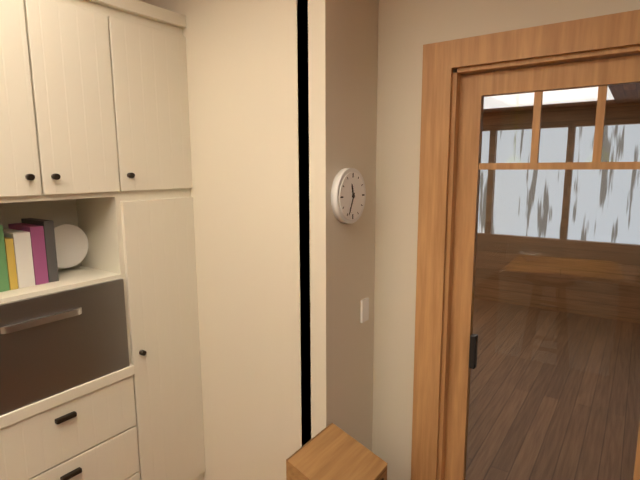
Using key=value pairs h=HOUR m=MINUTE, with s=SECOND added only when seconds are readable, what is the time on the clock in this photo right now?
h=11 m=34
